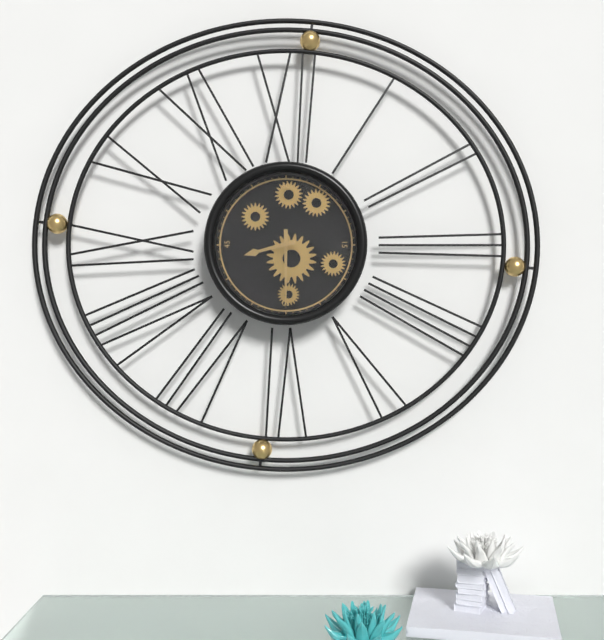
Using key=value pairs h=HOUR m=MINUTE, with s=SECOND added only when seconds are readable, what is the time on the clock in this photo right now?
h=8 m=30
